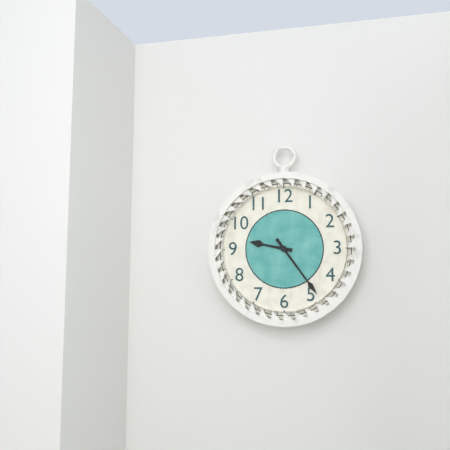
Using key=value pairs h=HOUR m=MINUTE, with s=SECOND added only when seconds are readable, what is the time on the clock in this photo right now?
h=9 m=24
